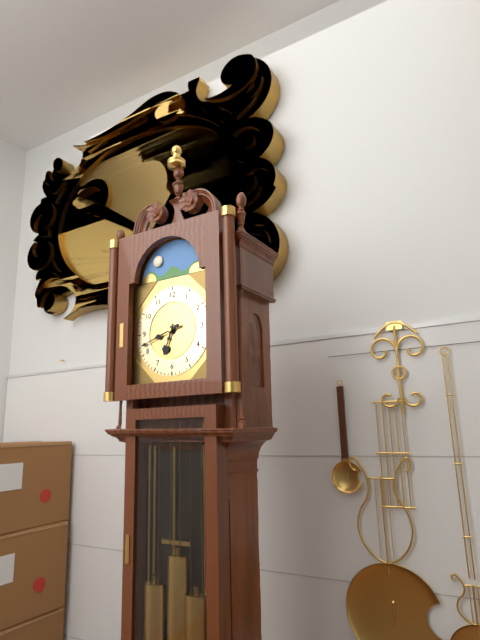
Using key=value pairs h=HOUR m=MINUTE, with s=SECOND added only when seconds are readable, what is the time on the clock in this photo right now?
h=6 m=42
